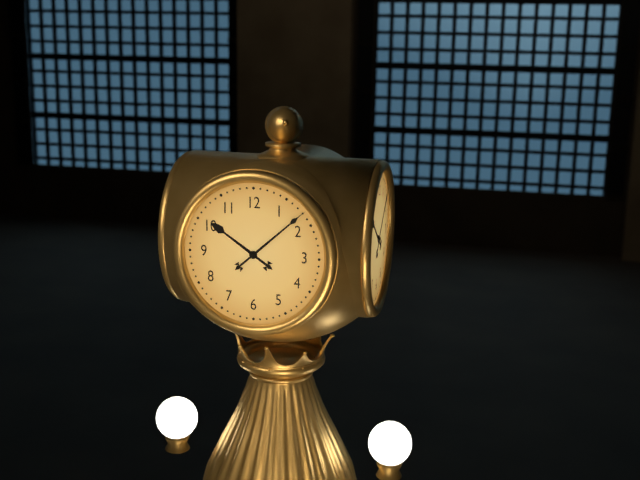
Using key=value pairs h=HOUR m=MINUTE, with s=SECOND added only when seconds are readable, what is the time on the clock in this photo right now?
h=10 m=8
